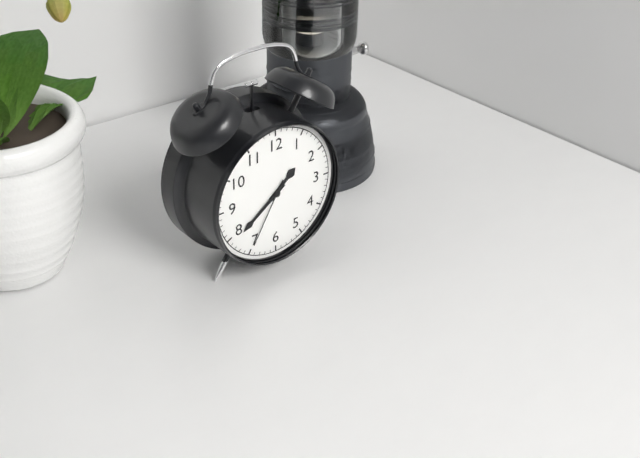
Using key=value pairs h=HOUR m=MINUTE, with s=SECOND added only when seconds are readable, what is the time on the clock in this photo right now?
h=1 m=39 s=35
